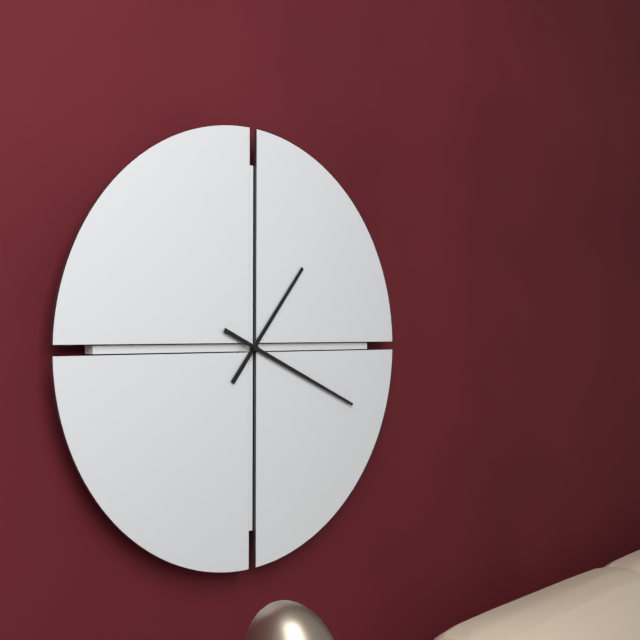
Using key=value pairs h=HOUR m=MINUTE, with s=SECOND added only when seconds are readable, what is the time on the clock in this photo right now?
h=1 m=19
